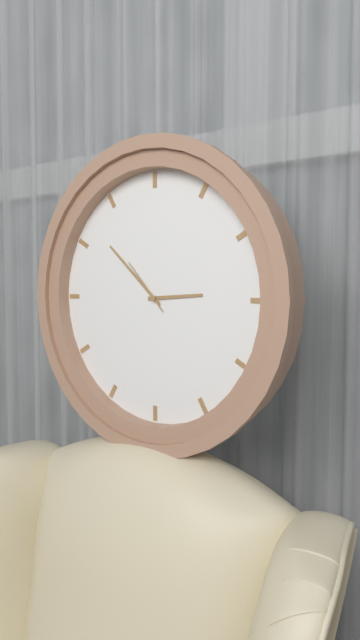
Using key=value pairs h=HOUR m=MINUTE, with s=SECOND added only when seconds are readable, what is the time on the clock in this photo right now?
h=2 m=52 s=53
